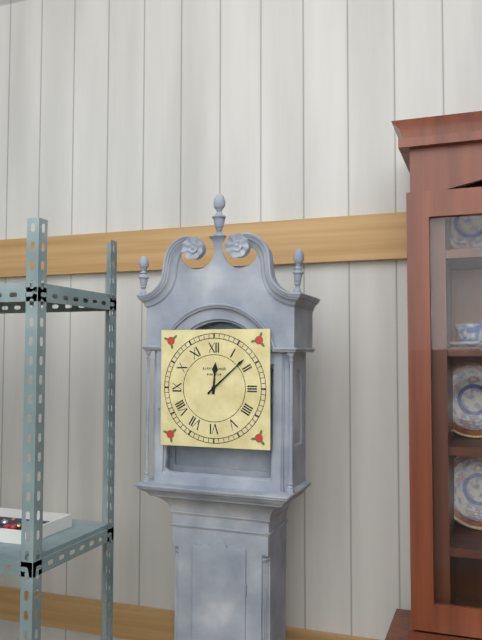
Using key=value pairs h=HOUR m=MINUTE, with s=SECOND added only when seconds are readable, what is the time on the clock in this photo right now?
h=12 m=8
